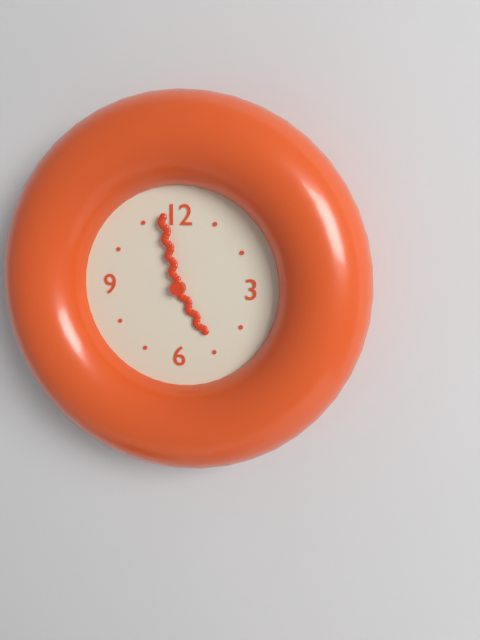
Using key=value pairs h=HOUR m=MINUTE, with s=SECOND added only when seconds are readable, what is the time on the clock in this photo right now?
h=4 m=58
